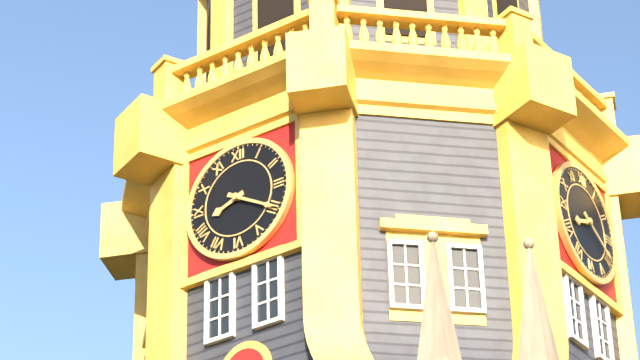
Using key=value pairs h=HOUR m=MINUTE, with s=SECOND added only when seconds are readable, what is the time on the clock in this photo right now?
h=8 m=20
